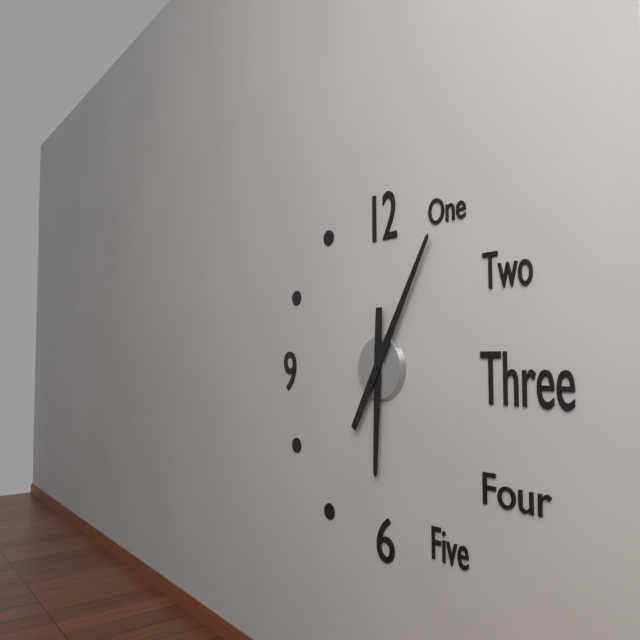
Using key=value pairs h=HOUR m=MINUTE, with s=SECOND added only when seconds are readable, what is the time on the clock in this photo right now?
h=6 m=5
